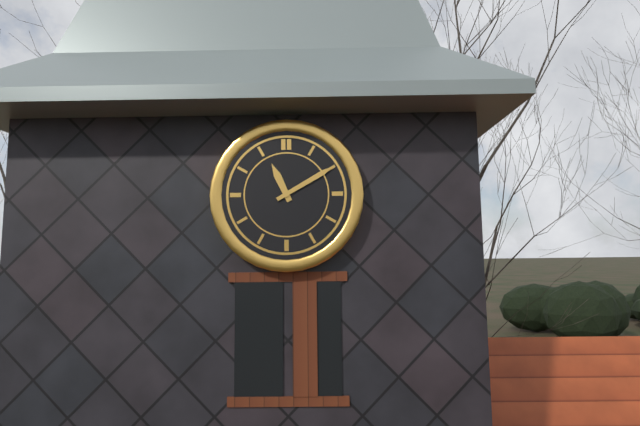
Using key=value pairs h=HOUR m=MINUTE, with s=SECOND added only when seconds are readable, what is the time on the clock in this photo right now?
h=11 m=10
